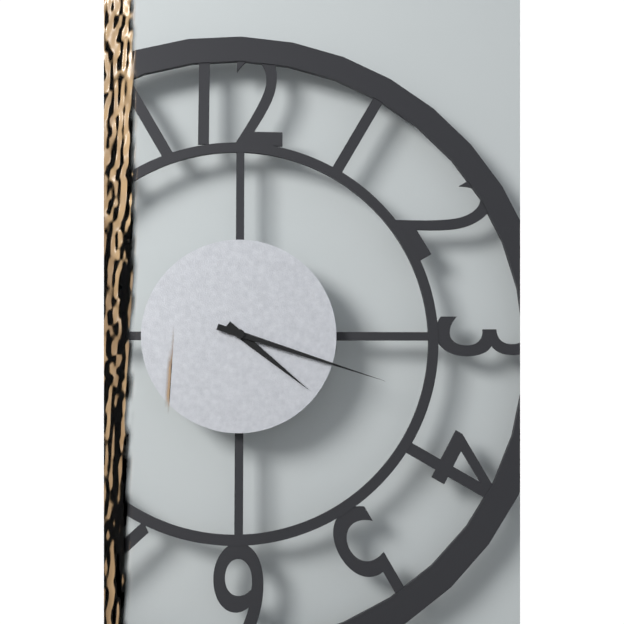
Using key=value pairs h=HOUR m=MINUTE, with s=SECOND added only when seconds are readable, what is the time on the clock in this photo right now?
h=4 m=18
